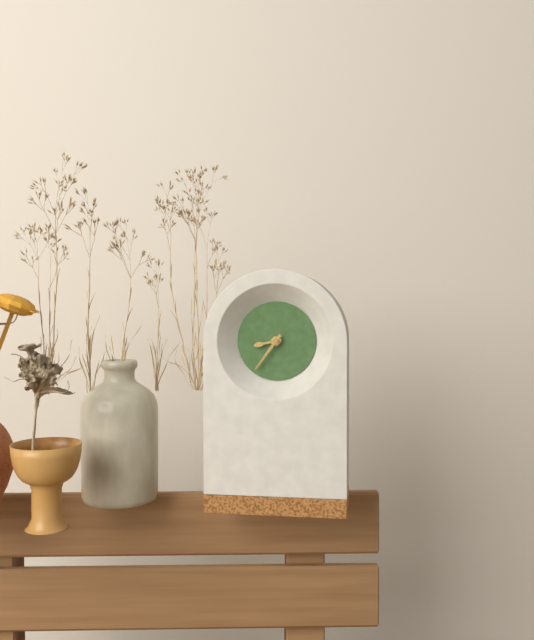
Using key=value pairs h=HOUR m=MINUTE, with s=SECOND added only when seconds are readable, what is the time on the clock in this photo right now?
h=8 m=36
